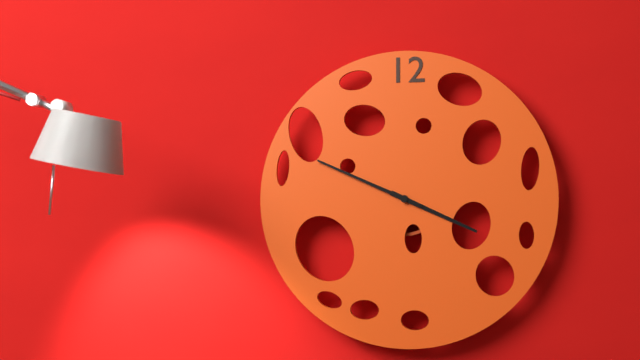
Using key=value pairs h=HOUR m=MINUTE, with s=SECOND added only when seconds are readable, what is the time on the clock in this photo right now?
h=3 m=49
